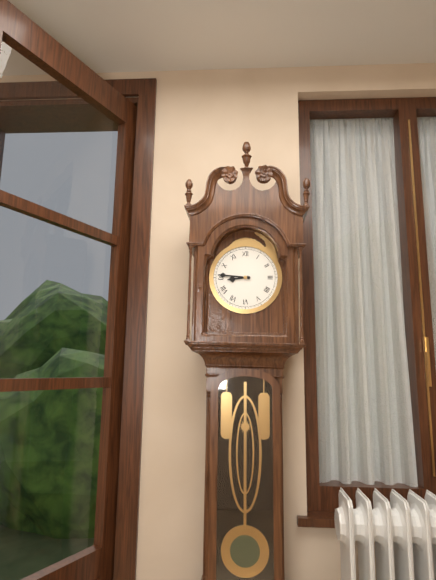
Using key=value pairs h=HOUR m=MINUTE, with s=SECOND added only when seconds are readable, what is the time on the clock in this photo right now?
h=8 m=46
